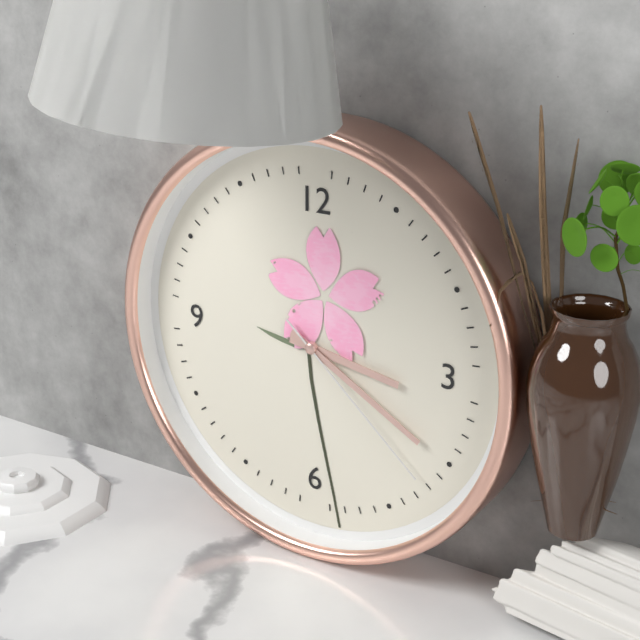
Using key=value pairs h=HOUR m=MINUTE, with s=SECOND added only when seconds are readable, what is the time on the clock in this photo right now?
h=3 m=20 s=22
